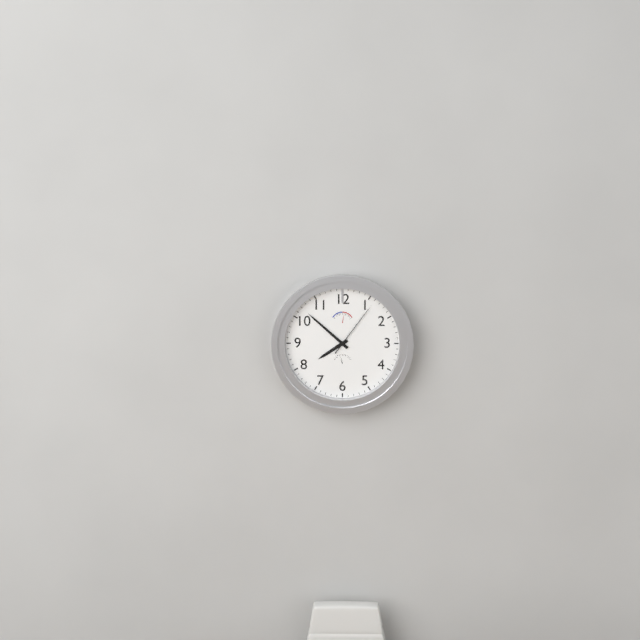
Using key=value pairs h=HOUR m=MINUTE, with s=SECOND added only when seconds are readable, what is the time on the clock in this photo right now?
h=7 m=52 s=6
